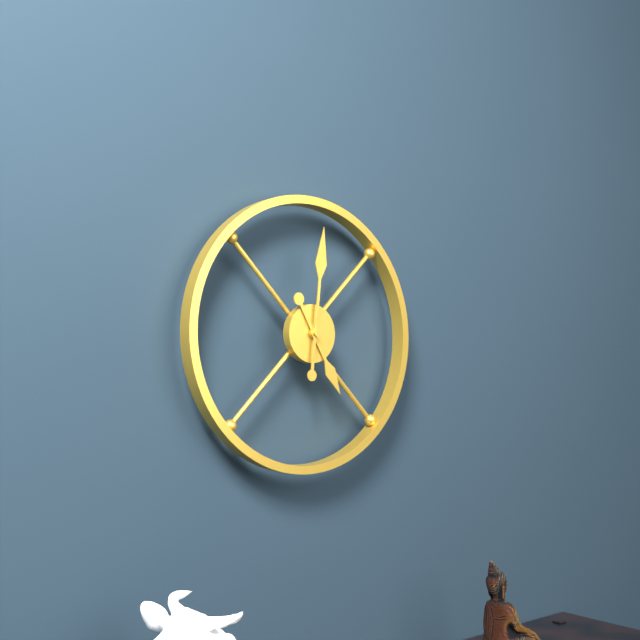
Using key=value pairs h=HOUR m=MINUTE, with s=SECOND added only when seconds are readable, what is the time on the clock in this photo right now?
h=5 m=1
